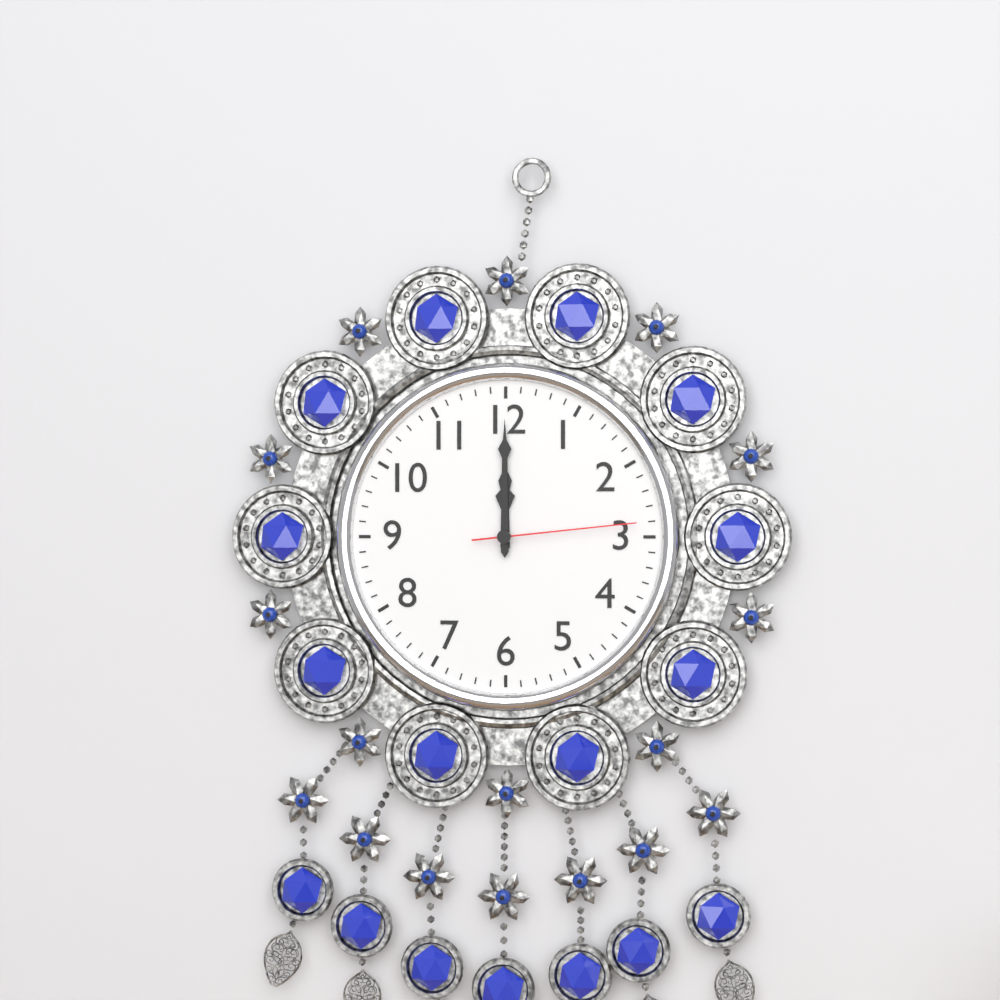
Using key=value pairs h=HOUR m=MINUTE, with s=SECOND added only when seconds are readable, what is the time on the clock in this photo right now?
h=12 m=0 s=14
